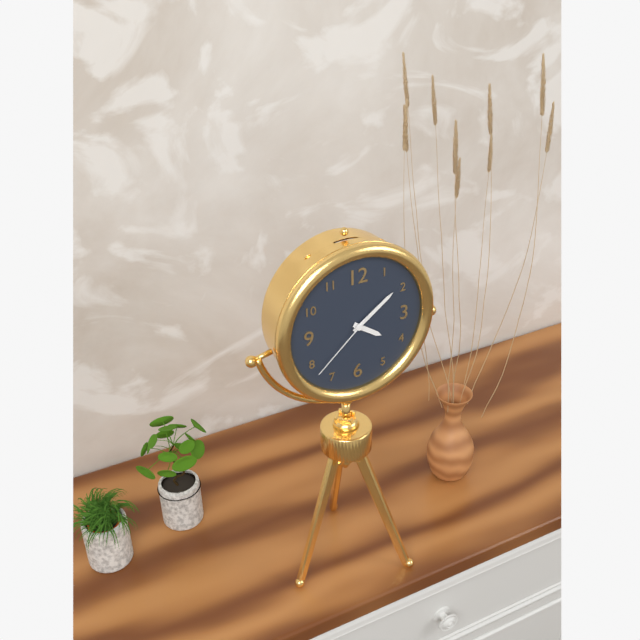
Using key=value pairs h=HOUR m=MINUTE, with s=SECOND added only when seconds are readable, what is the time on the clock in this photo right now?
h=4 m=9 s=38
